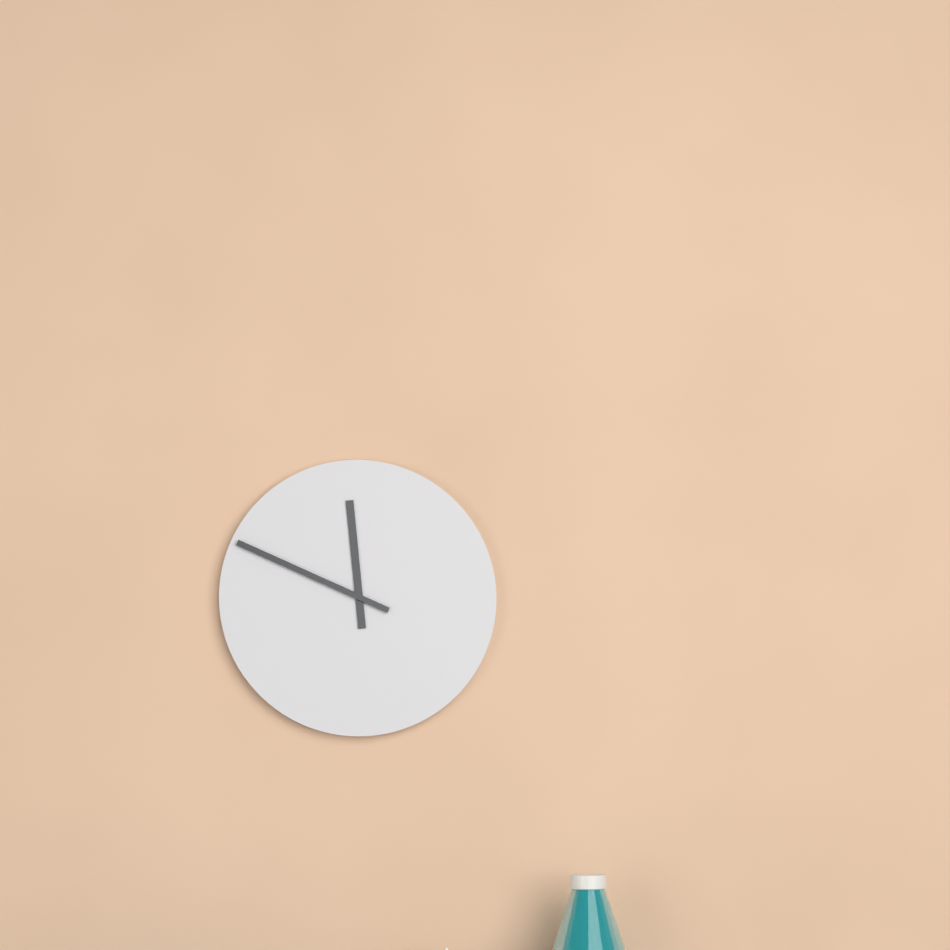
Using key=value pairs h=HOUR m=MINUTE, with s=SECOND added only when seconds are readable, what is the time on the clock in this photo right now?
h=11 m=49
